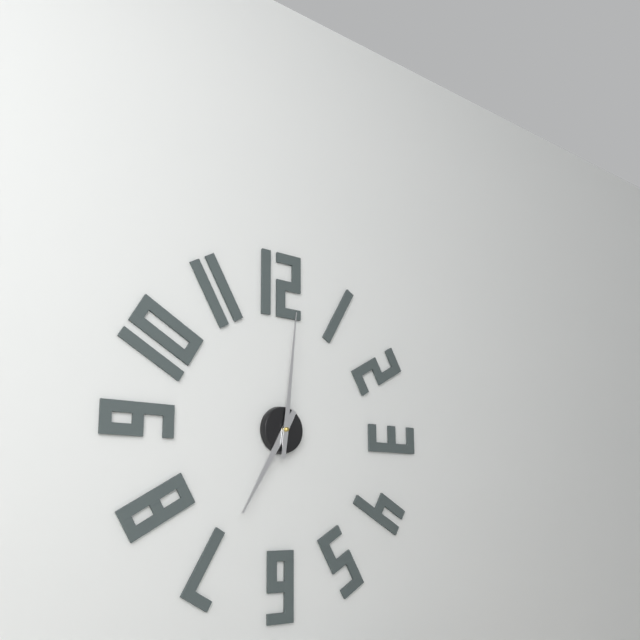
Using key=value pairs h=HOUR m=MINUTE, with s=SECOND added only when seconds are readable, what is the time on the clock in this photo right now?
h=7 m=1
